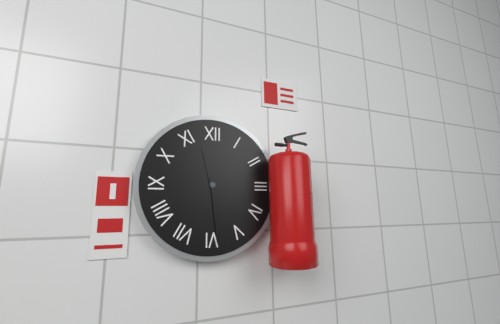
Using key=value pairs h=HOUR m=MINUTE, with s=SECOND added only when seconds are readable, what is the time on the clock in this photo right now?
h=11 m=29
